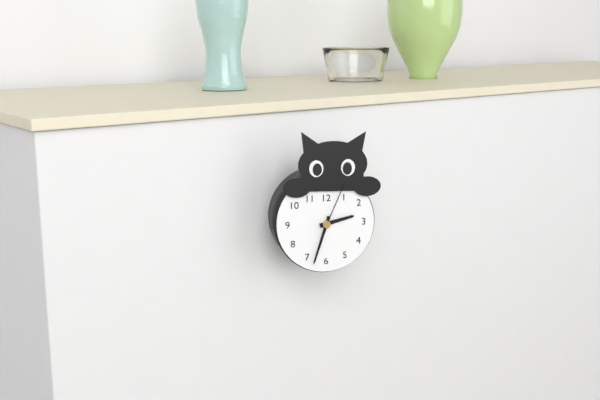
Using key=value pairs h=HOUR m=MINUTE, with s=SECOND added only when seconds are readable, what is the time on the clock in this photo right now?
h=2 m=33 s=4
